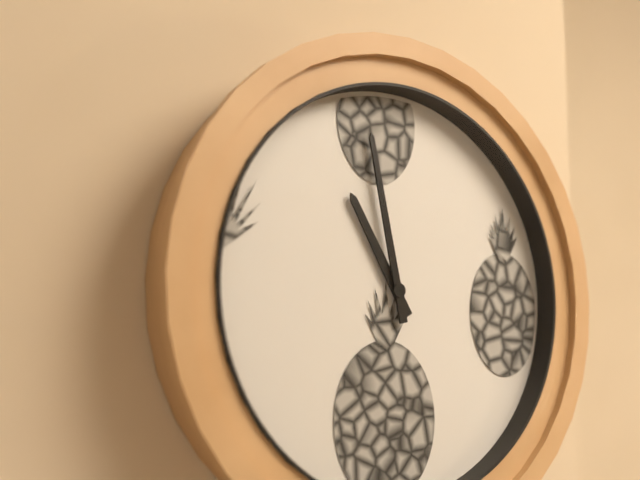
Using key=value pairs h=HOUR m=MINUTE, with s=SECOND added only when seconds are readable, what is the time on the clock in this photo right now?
h=10 m=58
